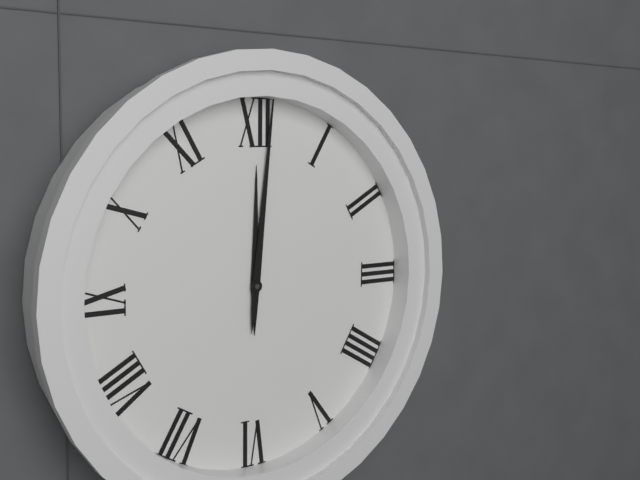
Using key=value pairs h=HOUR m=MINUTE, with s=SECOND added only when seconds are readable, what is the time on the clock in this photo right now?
h=12 m=1
